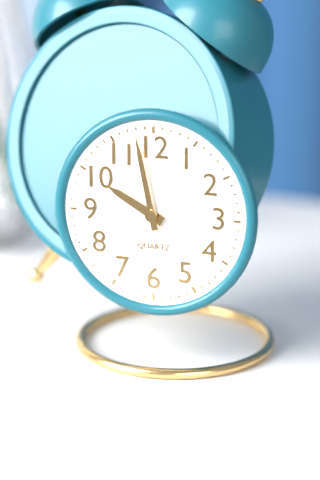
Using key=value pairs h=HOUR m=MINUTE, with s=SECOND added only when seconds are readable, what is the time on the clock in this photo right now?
h=9 m=58
